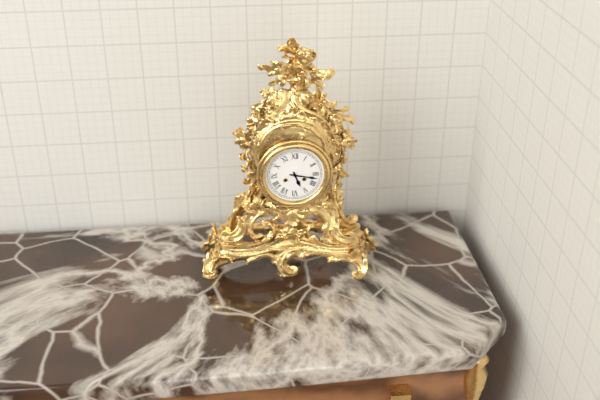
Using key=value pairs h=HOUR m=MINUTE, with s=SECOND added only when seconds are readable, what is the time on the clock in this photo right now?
h=5 m=17
